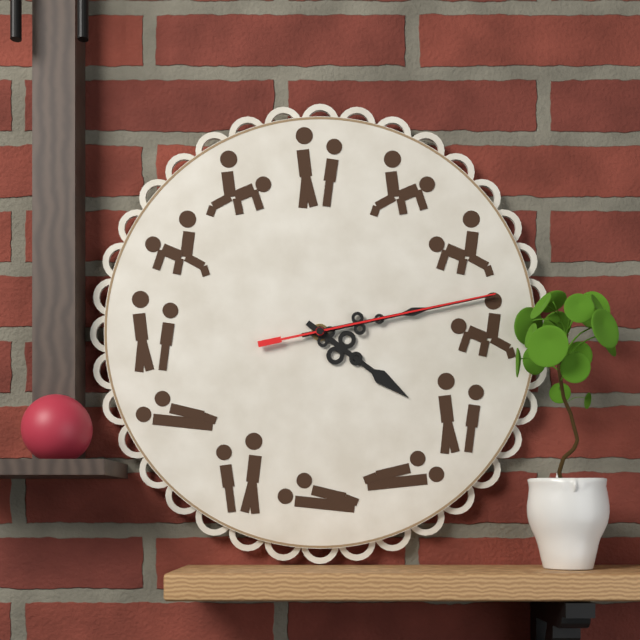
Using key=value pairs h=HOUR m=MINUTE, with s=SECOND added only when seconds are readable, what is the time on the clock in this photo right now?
h=4 m=13 s=13
